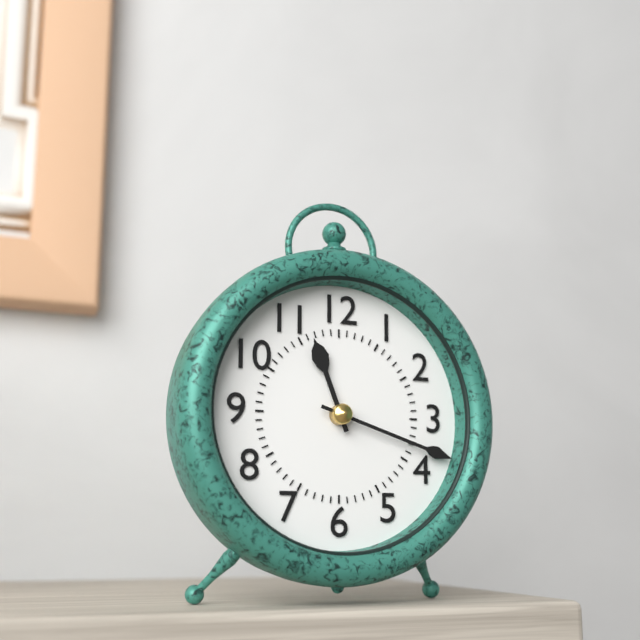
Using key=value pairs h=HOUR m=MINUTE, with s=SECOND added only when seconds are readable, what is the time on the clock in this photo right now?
h=11 m=18
